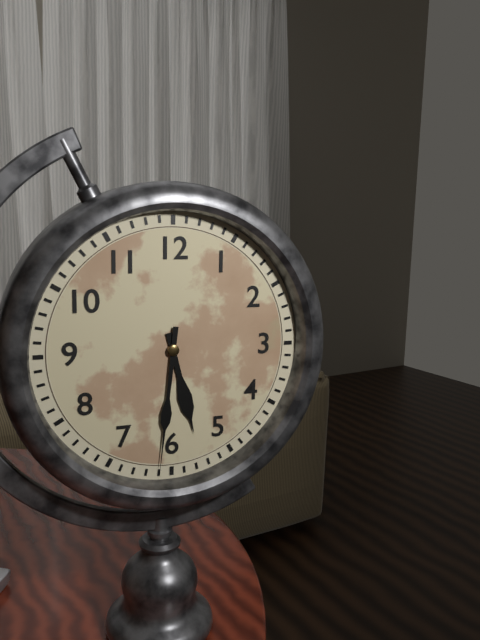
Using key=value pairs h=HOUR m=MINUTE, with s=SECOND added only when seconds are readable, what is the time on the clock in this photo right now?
h=5 m=31
